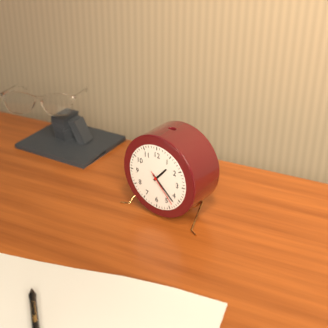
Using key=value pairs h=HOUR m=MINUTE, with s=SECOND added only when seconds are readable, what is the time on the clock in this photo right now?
h=1 m=22
